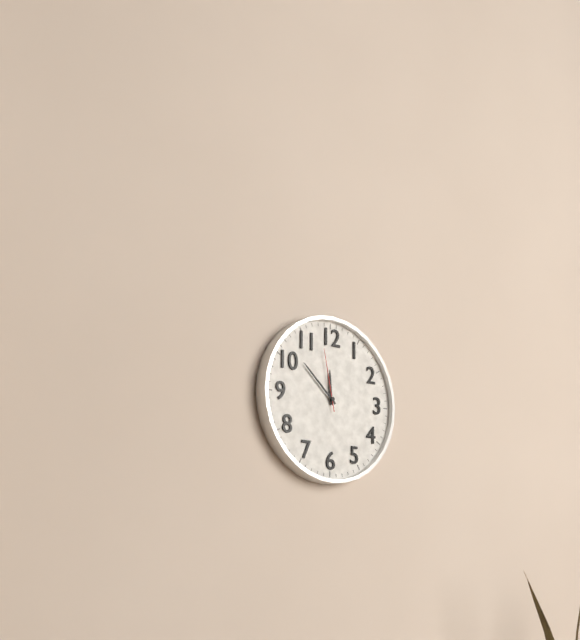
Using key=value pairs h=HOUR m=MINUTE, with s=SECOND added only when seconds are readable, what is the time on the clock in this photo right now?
h=11 m=52 s=58
